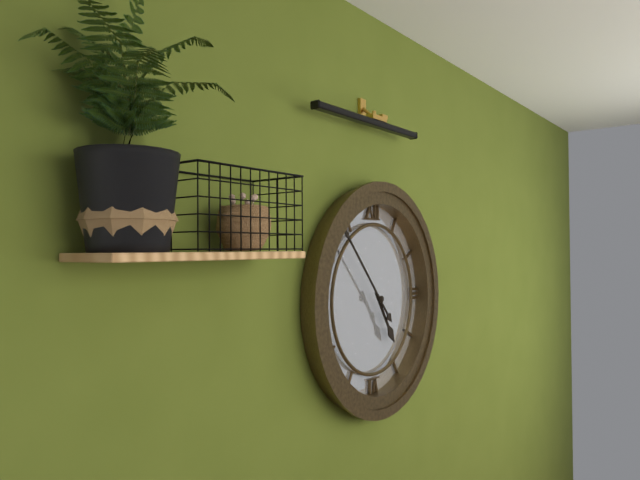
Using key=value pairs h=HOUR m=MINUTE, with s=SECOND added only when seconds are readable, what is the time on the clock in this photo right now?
h=4 m=53
